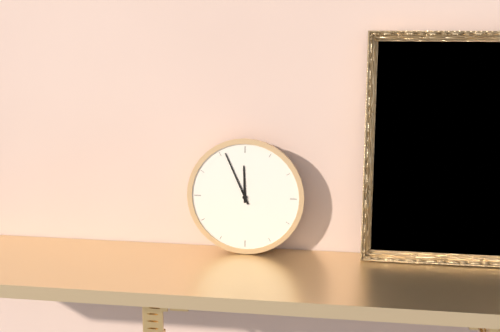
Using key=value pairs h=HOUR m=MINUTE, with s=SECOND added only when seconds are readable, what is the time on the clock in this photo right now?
h=11 m=56
